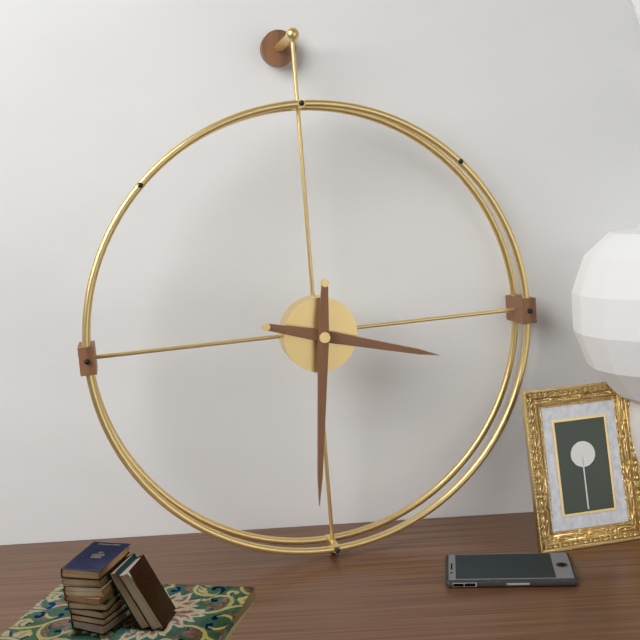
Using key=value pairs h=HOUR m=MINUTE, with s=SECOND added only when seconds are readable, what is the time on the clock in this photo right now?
h=3 m=31
